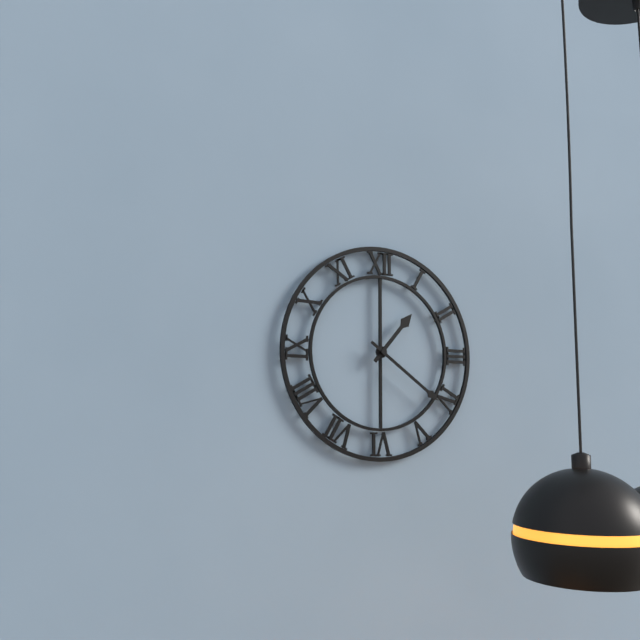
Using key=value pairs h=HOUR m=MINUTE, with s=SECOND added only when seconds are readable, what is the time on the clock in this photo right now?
h=1 m=21
